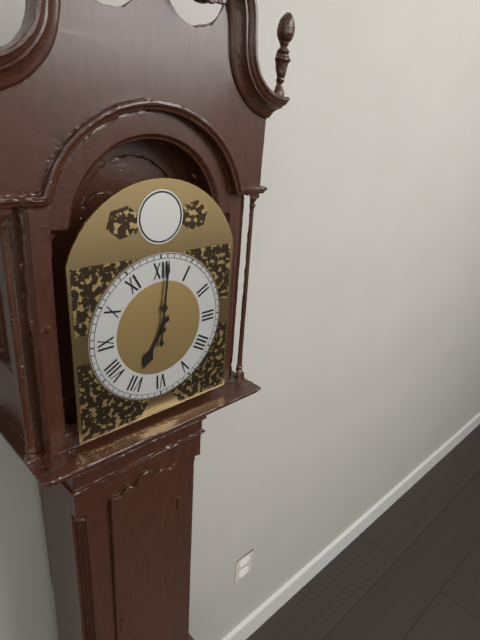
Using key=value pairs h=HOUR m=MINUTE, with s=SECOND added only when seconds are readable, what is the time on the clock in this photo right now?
h=7 m=1
